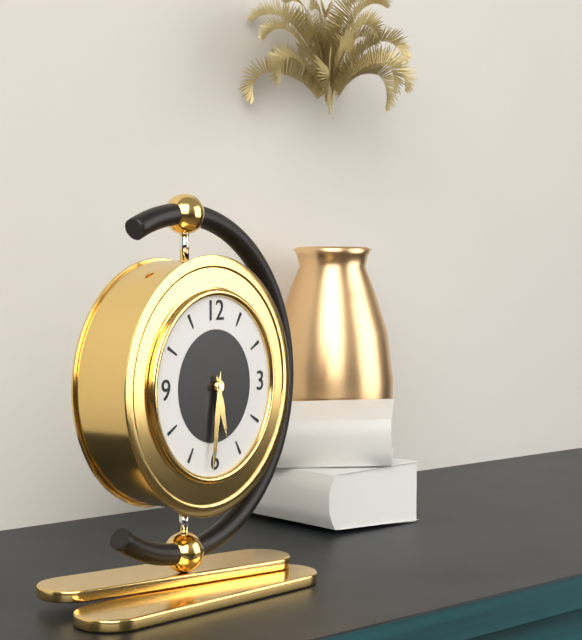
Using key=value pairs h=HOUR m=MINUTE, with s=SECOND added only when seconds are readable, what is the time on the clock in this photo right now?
h=5 m=31
